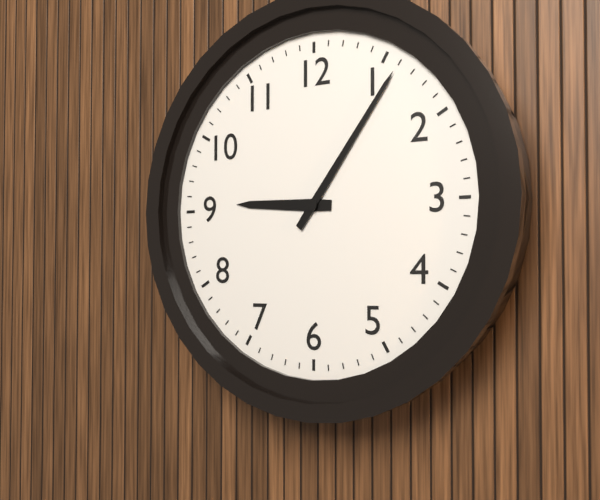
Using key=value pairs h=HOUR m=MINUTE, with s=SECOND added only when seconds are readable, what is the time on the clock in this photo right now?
h=9 m=6
